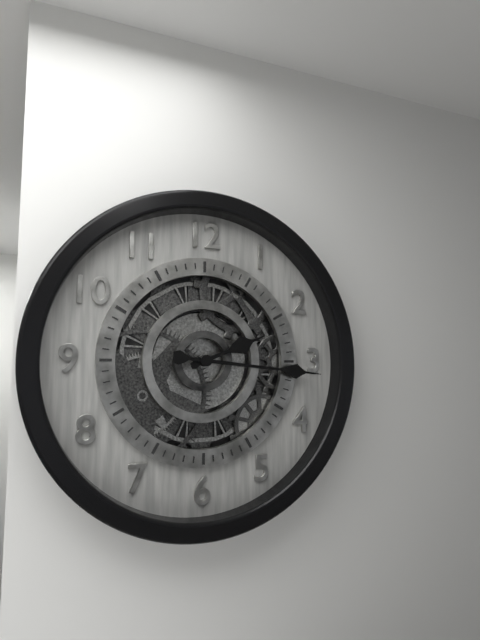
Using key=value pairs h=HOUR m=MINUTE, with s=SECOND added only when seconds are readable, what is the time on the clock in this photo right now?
h=2 m=16
